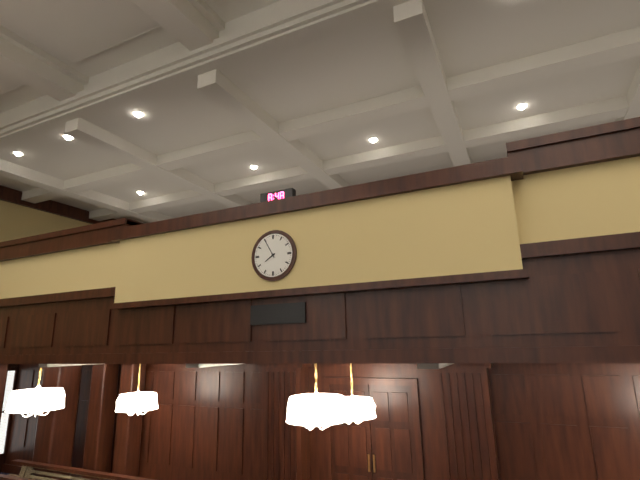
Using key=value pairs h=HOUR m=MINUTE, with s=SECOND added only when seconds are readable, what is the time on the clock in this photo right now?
h=7 m=55
